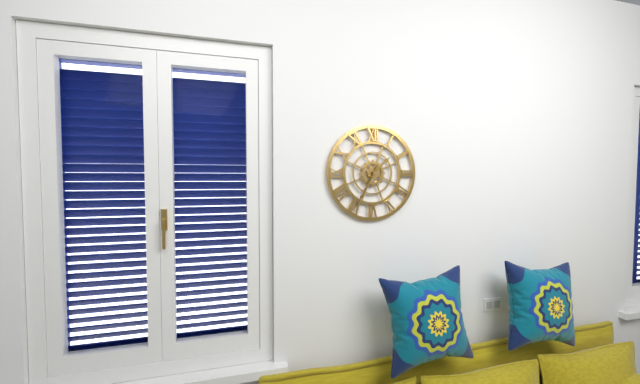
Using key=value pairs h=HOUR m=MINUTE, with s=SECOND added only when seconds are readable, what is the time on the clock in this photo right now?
h=1 m=35
